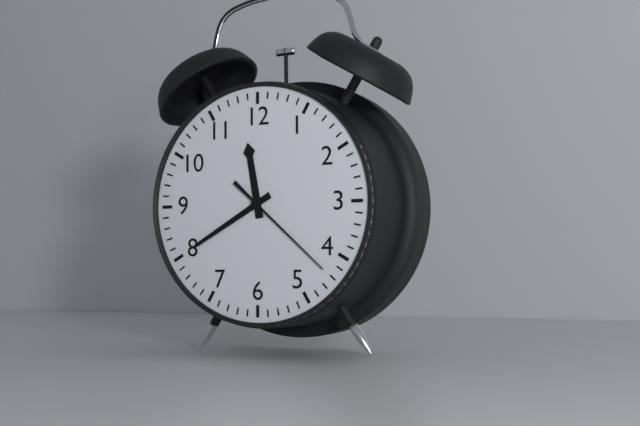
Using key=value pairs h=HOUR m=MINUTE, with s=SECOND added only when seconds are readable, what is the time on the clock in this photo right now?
h=11 m=40 s=22
